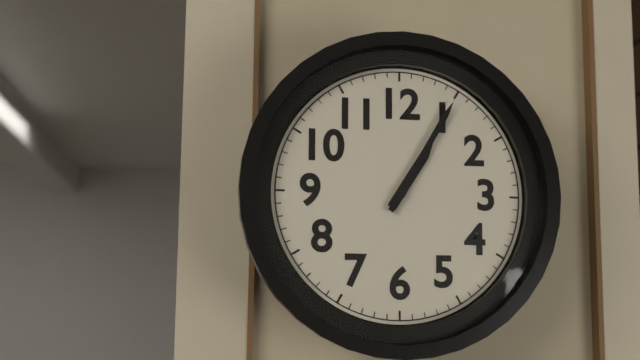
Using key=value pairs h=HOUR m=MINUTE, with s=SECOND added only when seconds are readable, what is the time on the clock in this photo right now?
h=1 m=5
